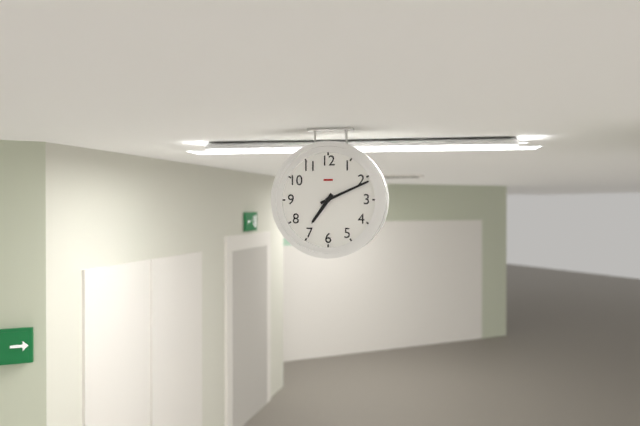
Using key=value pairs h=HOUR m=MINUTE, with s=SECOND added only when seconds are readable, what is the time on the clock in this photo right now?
h=7 m=11
